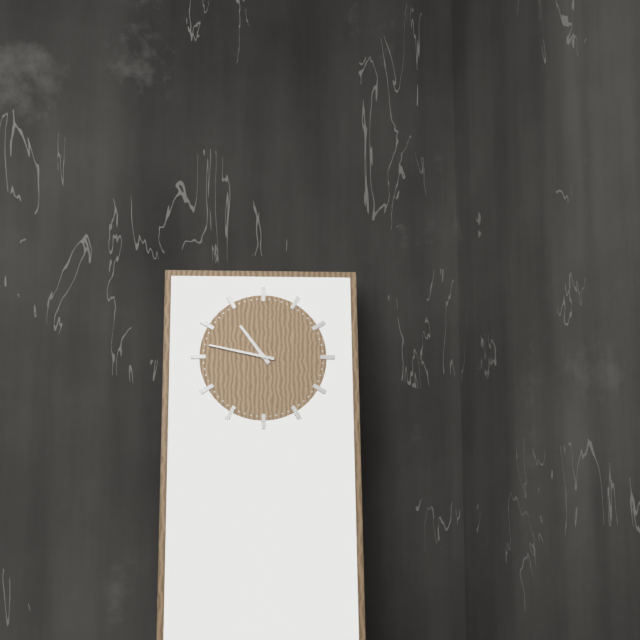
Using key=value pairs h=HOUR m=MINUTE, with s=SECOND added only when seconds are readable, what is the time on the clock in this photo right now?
h=10 m=47
